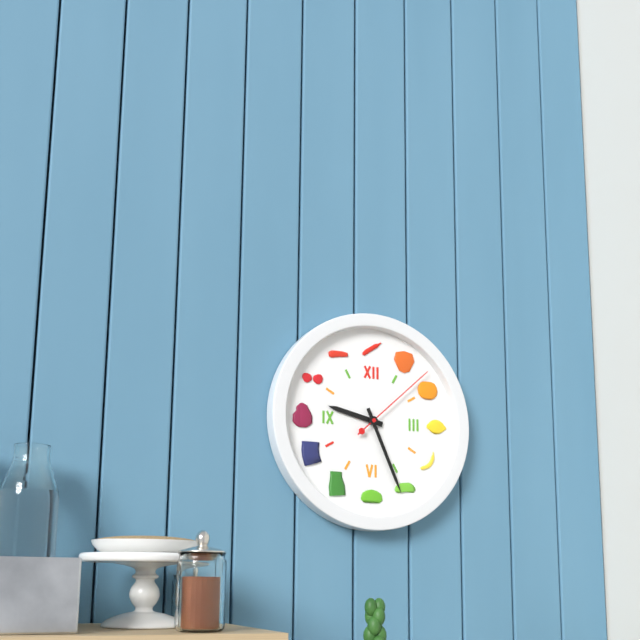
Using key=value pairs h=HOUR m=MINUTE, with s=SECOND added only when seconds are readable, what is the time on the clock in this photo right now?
h=9 m=26 s=8
